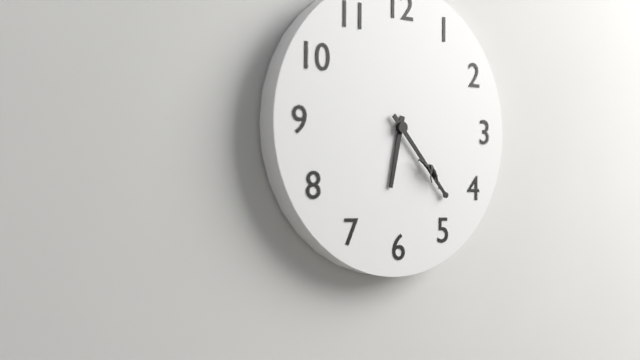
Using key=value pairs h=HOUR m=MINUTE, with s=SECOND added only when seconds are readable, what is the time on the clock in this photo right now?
h=6 m=23
